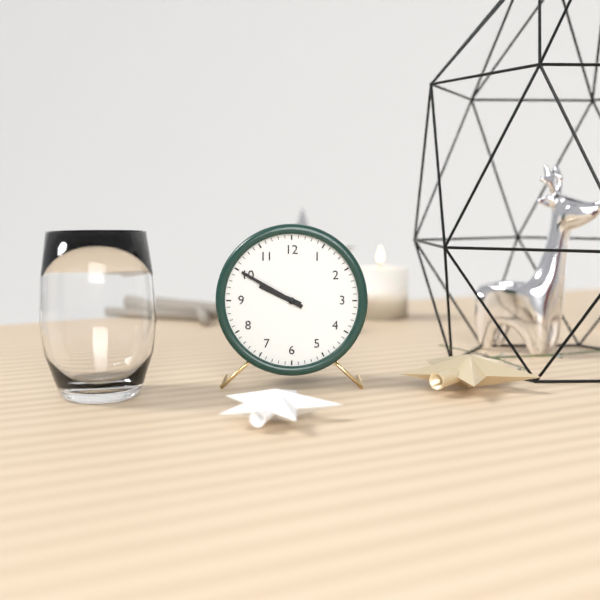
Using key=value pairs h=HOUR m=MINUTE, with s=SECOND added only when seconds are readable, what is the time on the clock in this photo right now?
h=9 m=50
